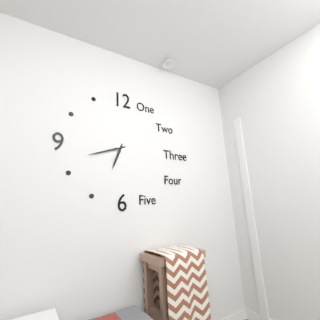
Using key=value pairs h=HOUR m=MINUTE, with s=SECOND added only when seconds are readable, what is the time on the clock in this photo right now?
h=6 m=42
